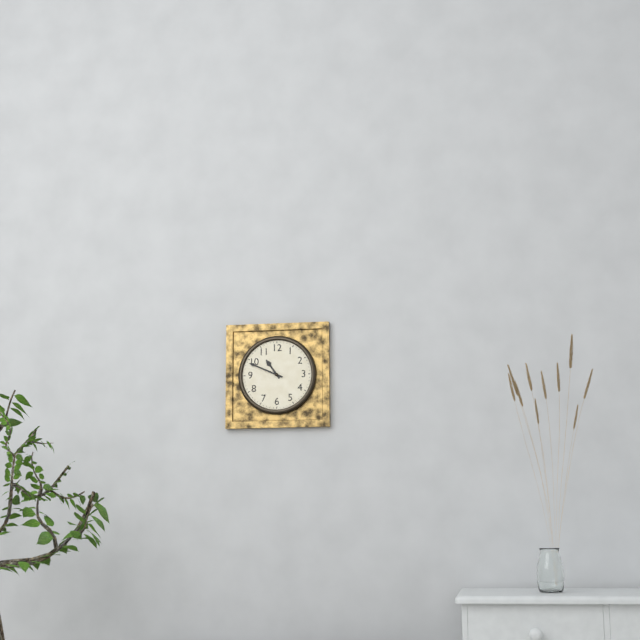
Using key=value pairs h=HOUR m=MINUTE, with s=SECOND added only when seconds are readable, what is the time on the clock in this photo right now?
h=10 m=49
